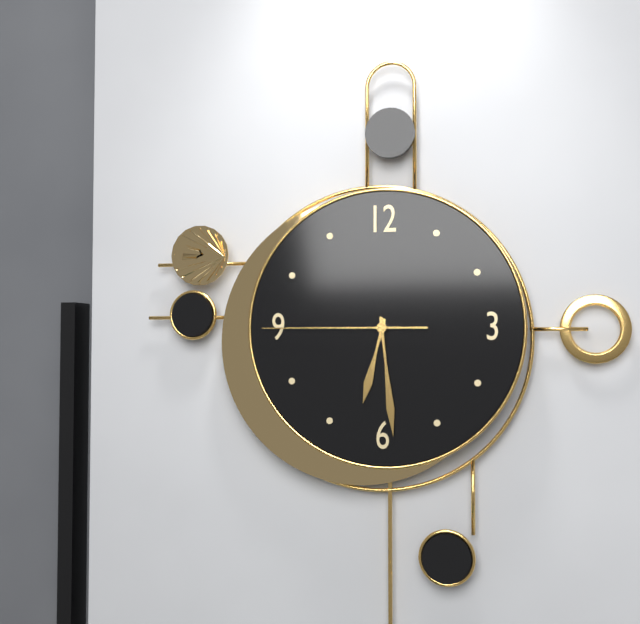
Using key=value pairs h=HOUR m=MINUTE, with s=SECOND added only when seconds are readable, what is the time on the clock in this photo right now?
h=6 m=29 s=45
